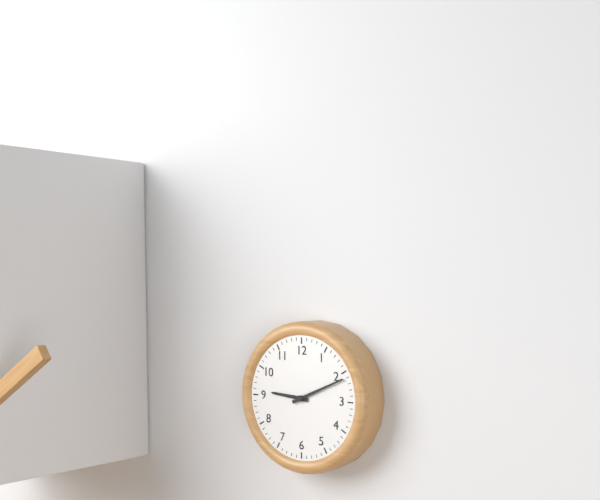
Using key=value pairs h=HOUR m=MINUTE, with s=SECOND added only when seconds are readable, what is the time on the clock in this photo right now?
h=9 m=11
